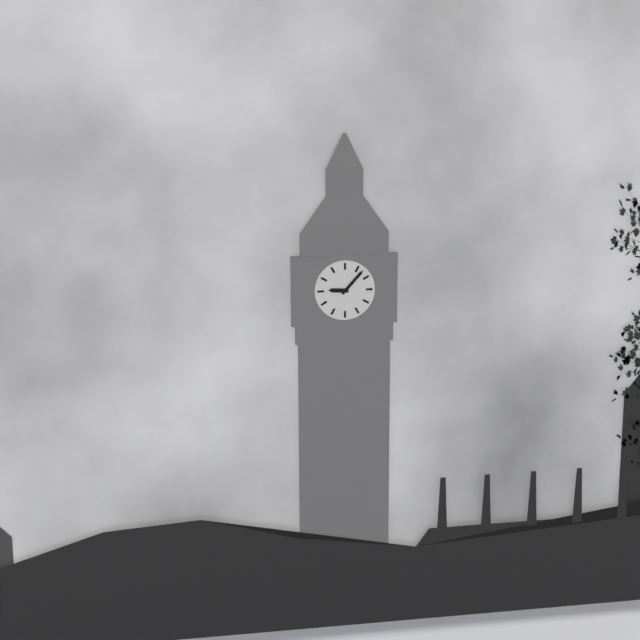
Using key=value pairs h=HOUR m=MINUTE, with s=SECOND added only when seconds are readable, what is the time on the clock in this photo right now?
h=9 m=7
